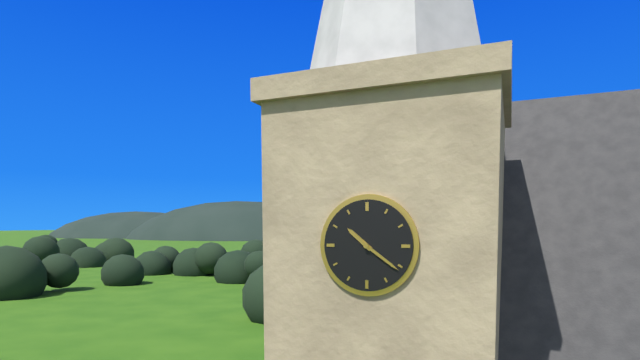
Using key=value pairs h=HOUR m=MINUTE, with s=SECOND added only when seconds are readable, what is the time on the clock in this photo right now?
h=10 m=21
